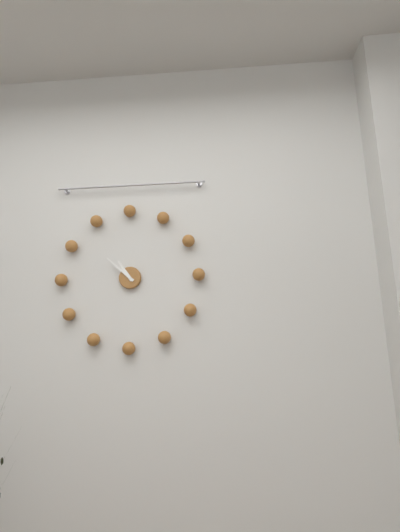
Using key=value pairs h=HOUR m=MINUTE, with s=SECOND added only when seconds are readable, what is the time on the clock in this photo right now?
h=10 m=52
